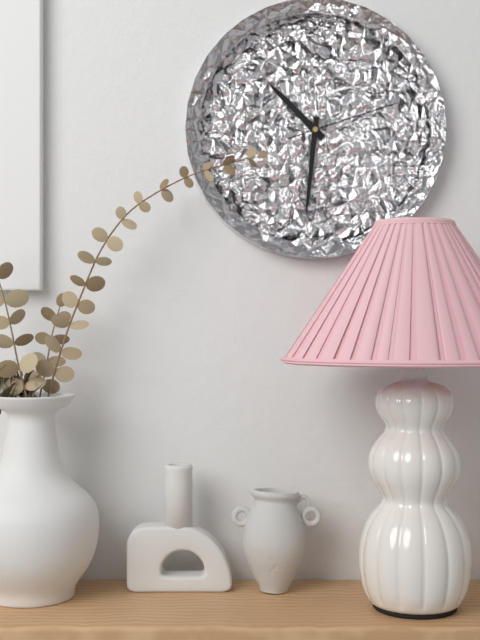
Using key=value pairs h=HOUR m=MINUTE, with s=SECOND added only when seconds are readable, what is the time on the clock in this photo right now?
h=10 m=31 s=12
